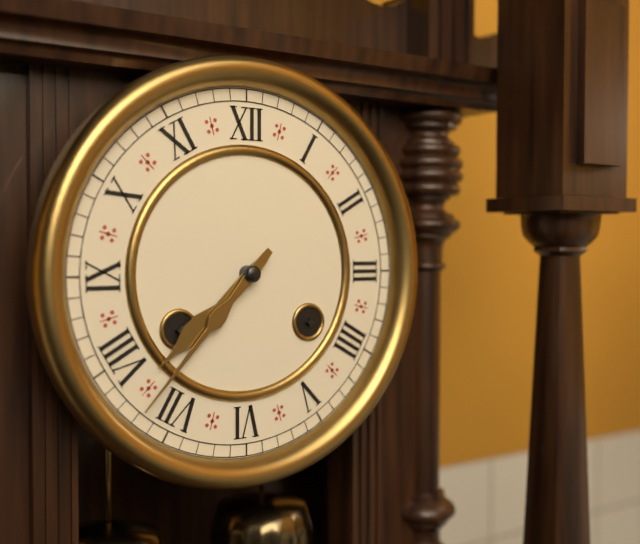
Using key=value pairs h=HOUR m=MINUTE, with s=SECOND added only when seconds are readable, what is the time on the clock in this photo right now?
h=7 m=37
